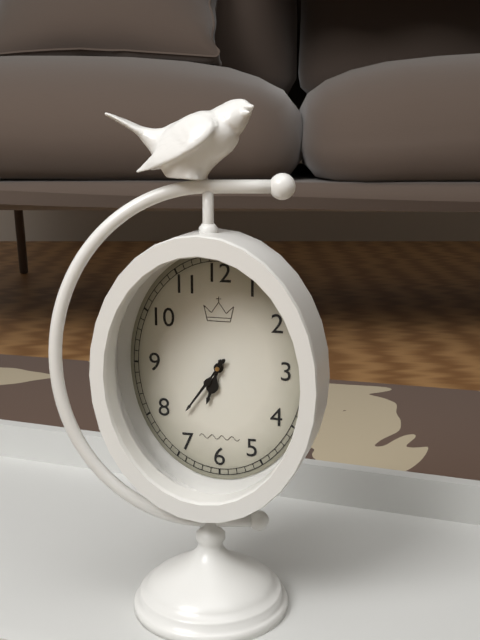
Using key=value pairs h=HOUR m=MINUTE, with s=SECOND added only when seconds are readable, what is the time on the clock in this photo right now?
h=6 m=36
